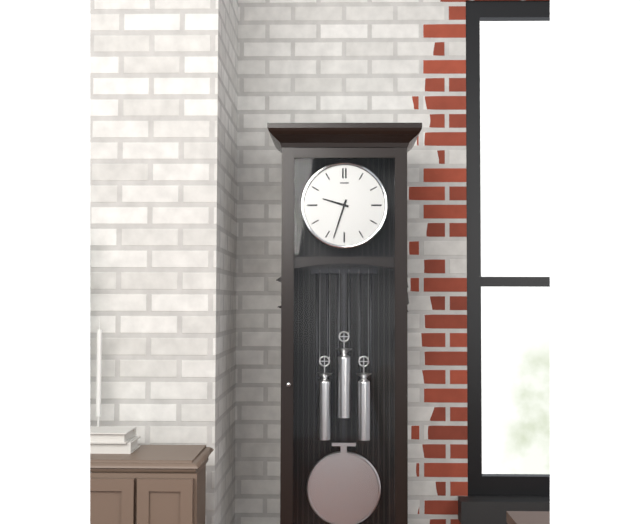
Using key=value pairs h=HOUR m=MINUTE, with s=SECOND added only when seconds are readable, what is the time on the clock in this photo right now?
h=9 m=33
